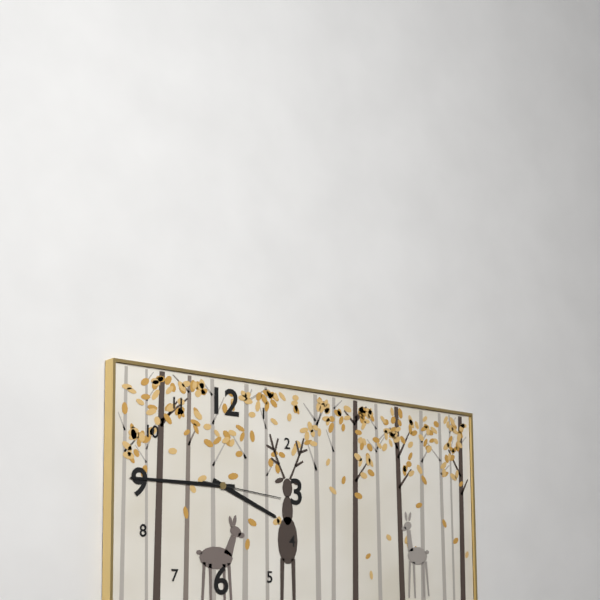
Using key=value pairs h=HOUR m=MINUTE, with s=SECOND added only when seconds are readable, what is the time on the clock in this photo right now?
h=3 m=45 s=16
